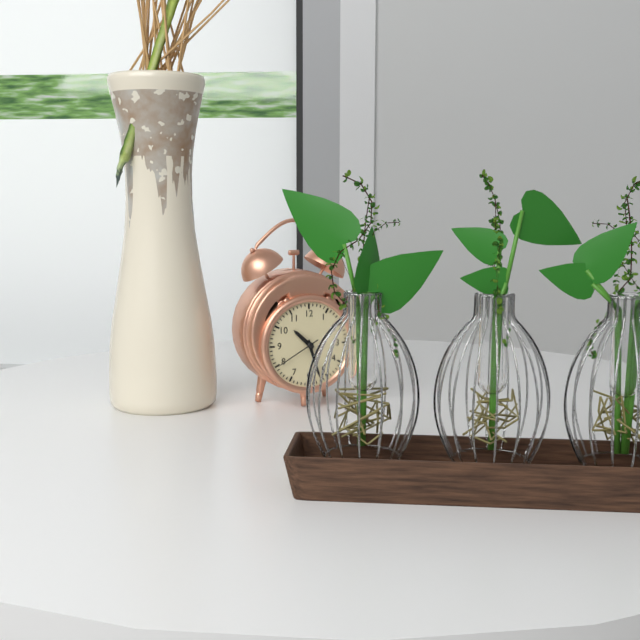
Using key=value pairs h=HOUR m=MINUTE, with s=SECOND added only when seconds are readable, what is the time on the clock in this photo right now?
h=10 m=27
